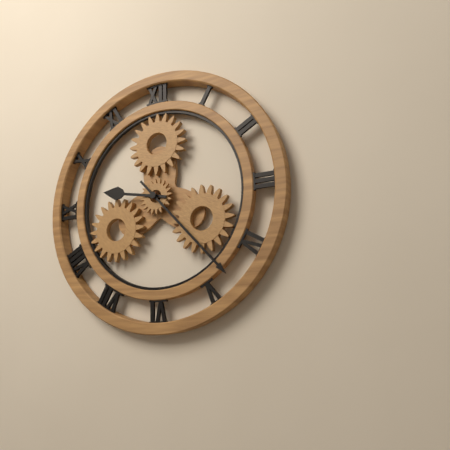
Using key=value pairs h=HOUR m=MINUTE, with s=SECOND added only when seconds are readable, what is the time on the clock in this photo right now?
h=9 m=23
